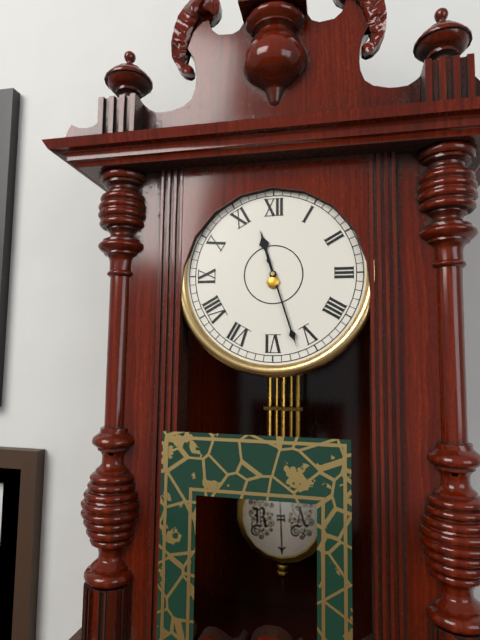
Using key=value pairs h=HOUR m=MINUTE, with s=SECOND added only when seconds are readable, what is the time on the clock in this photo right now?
h=11 m=27
